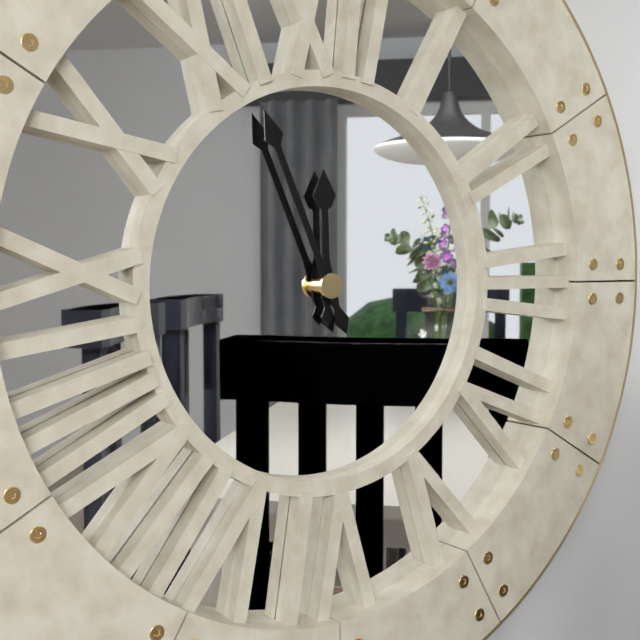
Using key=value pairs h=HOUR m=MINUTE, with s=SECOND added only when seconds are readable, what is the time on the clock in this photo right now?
h=11 m=56
